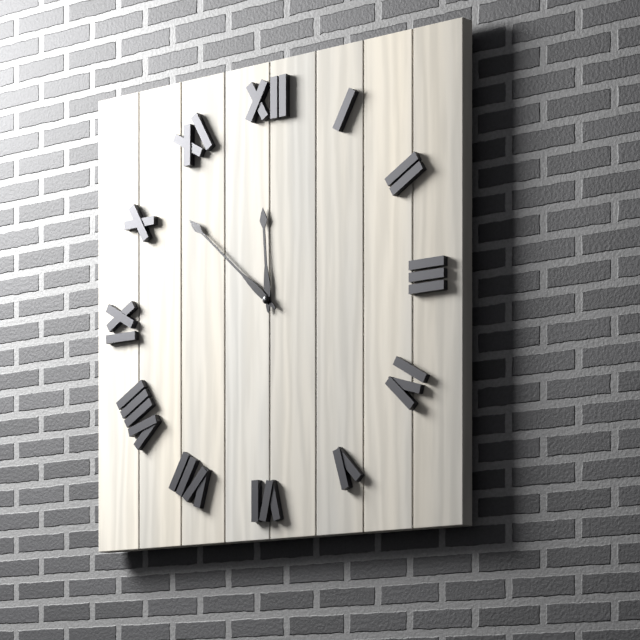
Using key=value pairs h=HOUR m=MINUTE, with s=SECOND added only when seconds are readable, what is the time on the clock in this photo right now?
h=11 m=52
